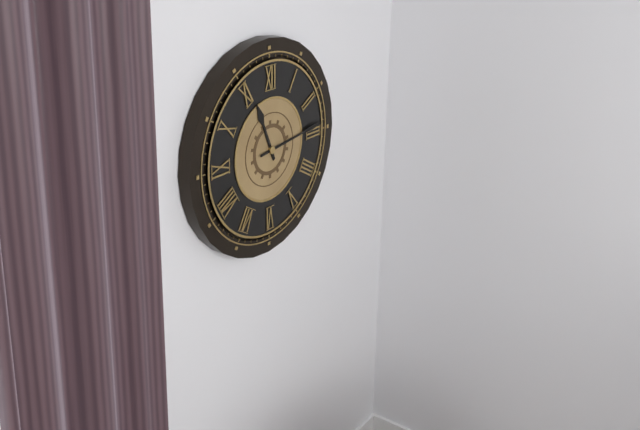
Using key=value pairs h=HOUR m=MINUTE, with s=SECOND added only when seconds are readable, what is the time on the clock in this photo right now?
h=11 m=14
